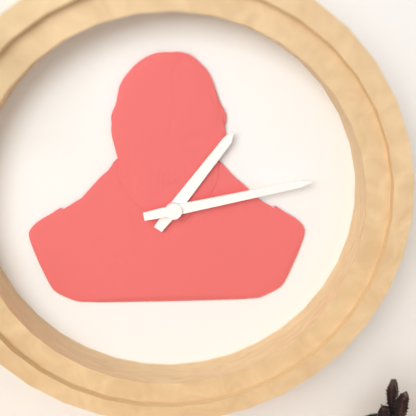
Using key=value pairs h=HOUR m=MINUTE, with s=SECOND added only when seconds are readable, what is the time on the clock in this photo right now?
h=1 m=13
